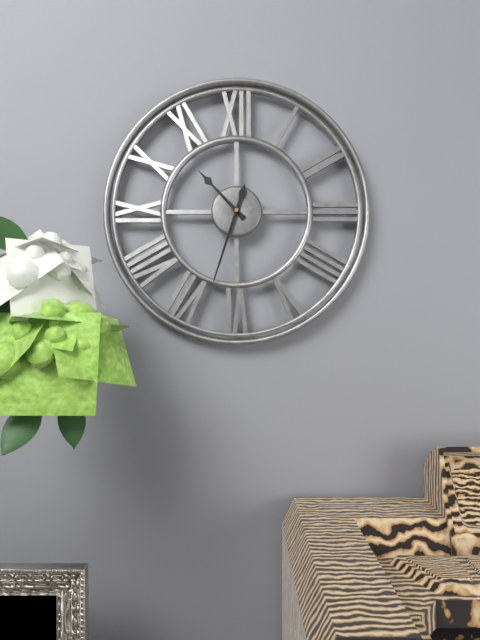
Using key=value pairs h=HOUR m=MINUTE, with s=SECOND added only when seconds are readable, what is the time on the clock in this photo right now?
h=10 m=33
